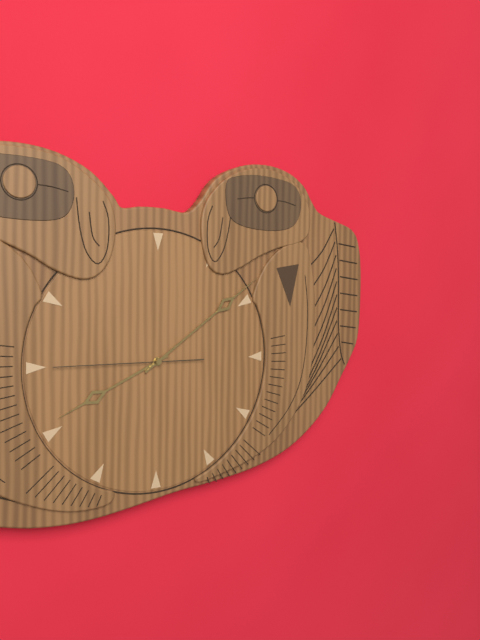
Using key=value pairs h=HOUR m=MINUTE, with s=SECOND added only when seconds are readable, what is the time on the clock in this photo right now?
h=8 m=9 s=45
